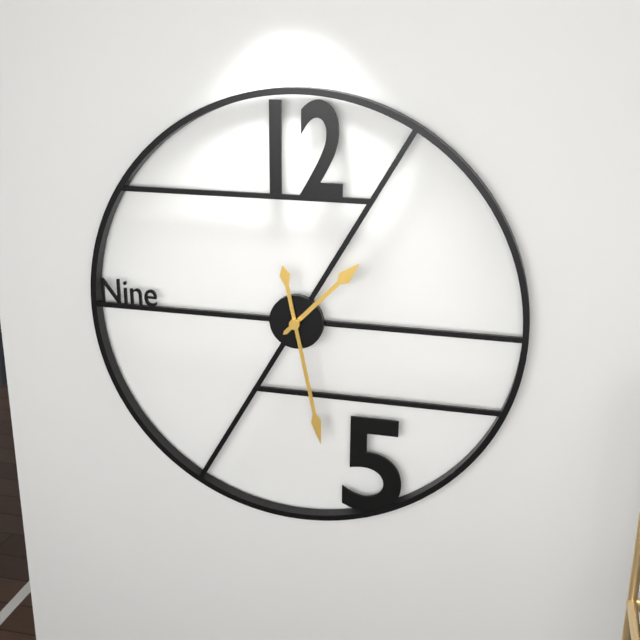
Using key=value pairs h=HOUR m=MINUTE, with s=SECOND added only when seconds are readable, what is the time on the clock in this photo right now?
h=1 m=28
